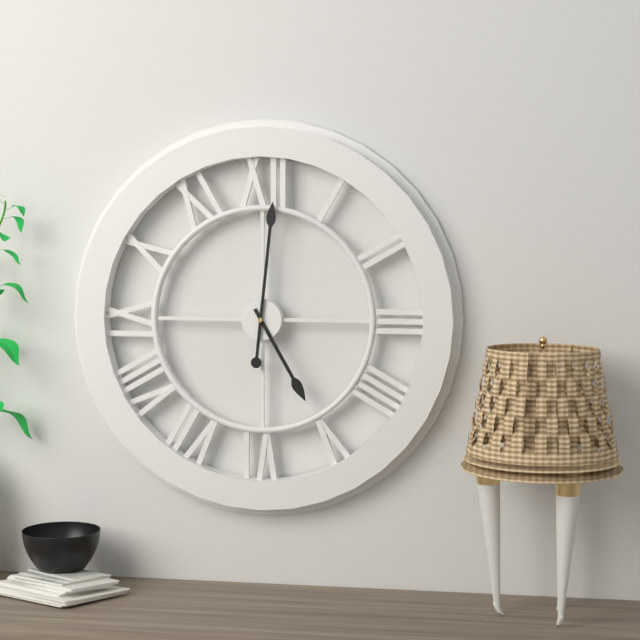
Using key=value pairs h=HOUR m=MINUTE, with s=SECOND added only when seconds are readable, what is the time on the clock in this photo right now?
h=5 m=1
